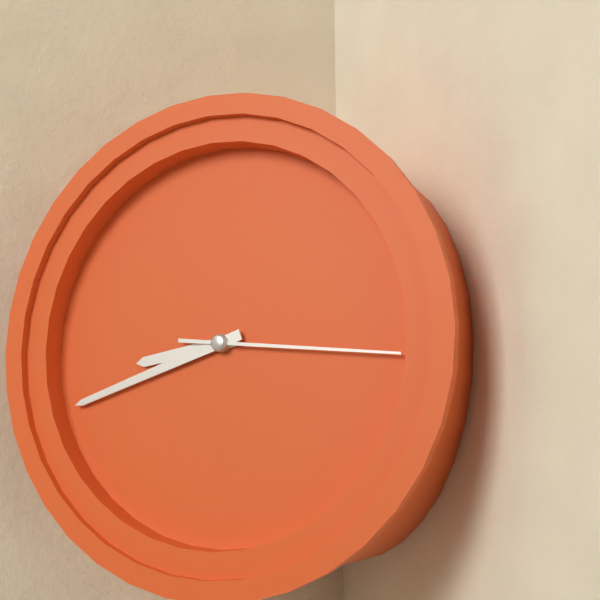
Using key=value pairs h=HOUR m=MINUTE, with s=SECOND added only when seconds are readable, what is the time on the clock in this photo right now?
h=8 m=42 s=16
